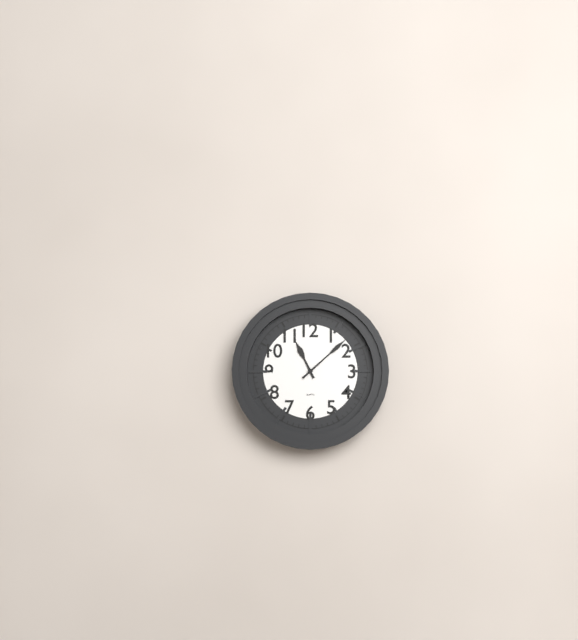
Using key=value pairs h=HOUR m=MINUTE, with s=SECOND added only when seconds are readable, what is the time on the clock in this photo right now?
h=11 m=8
